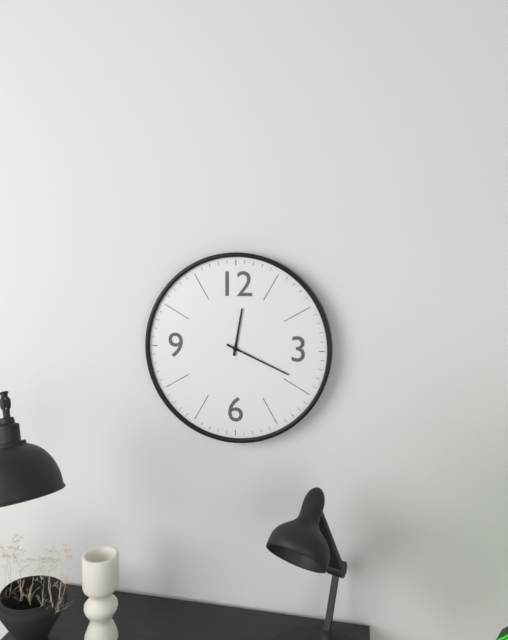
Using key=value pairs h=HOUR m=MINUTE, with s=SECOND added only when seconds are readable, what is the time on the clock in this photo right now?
h=12 m=19
